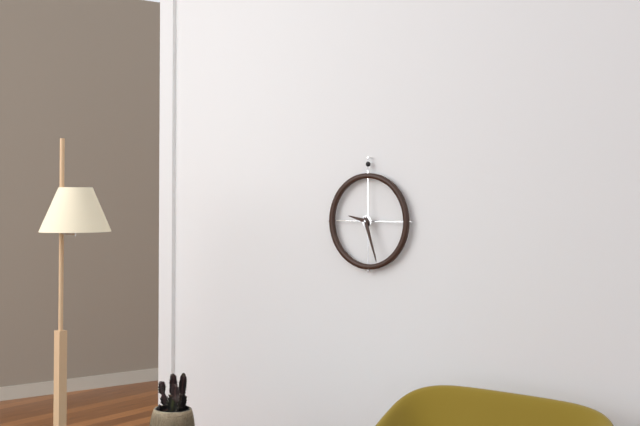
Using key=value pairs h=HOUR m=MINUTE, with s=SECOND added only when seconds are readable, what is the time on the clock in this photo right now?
h=9 m=27
